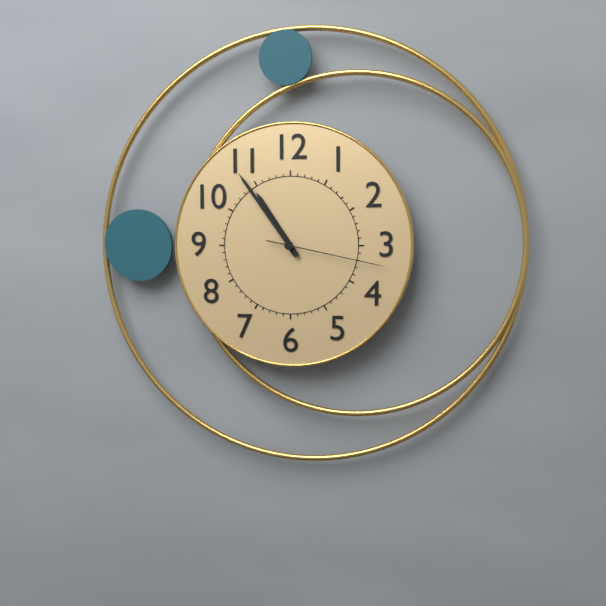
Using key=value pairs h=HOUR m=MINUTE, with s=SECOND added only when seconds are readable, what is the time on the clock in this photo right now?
h=10 m=54 s=17
